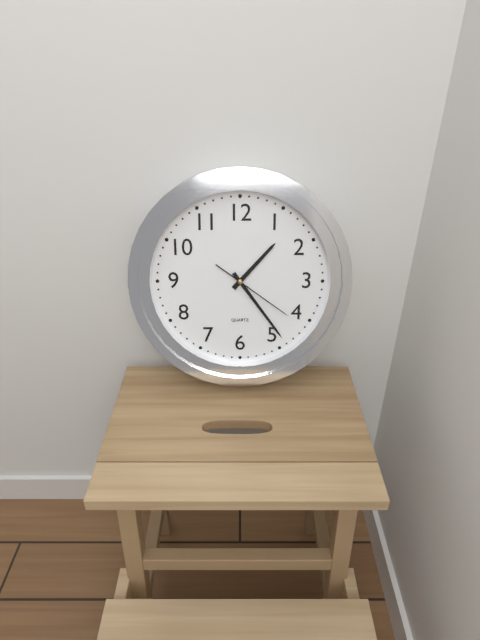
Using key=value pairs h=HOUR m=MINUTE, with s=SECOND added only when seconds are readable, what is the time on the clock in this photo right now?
h=1 m=24 s=21
